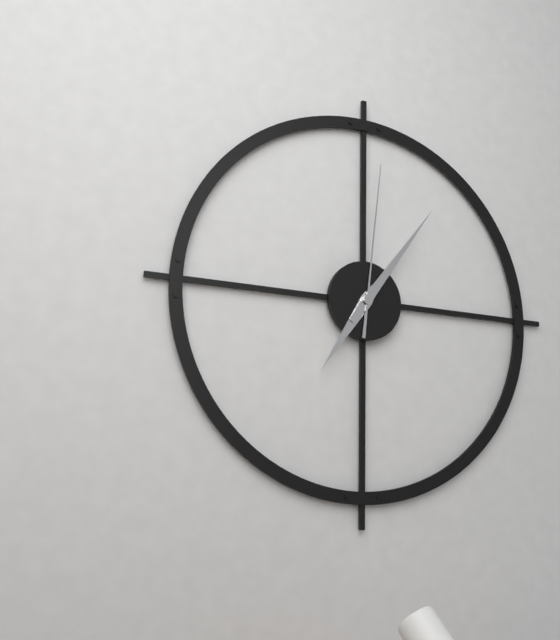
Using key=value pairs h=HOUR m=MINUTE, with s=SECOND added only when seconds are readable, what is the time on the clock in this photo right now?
h=7 m=6 s=1
